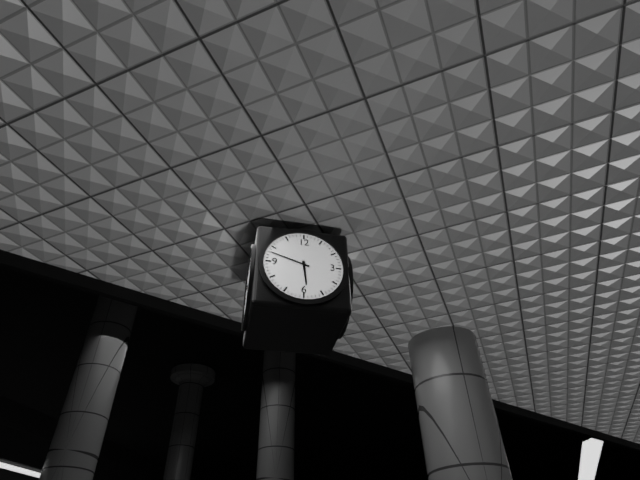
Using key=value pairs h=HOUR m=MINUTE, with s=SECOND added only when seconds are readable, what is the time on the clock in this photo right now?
h=5 m=48
